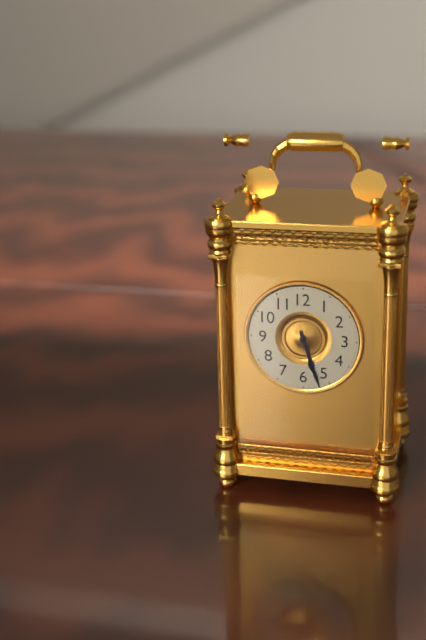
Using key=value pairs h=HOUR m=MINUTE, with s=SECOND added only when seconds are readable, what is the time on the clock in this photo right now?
h=5 m=27
